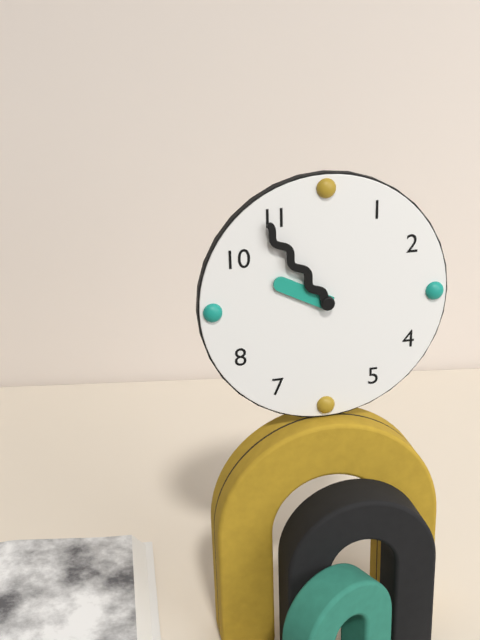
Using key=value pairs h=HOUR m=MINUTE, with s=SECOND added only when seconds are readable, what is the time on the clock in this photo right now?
h=9 m=54
